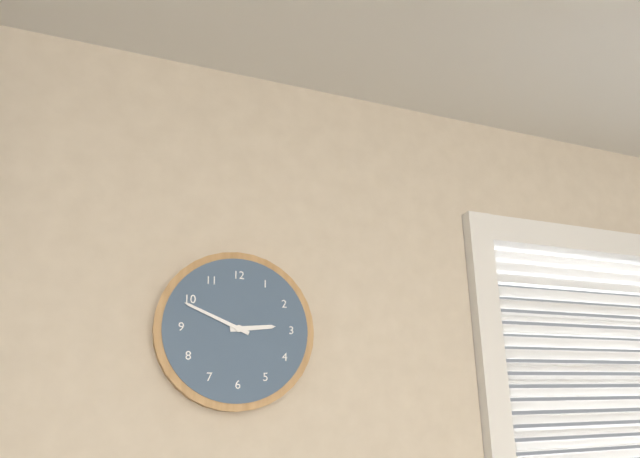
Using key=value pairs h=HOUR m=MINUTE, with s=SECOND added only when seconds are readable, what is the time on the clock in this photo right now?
h=2 m=49
